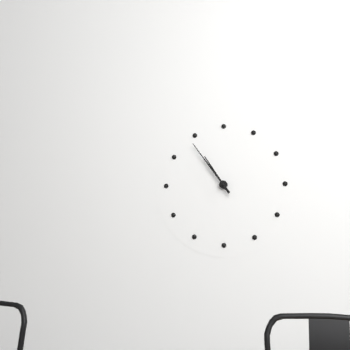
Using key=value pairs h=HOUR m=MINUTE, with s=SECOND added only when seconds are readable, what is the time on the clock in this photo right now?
h=10 m=54
